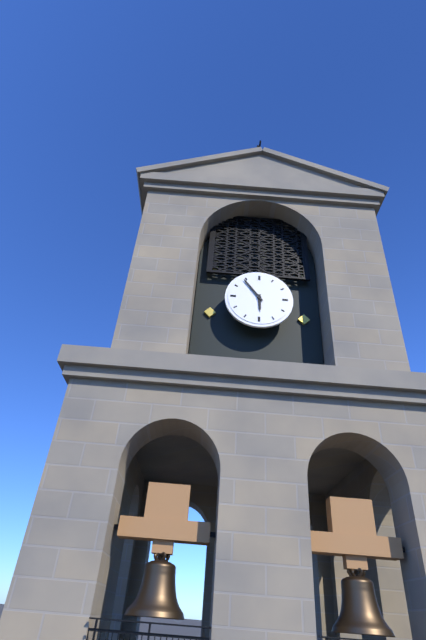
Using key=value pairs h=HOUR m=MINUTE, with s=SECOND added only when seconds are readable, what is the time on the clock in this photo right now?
h=5 m=54
